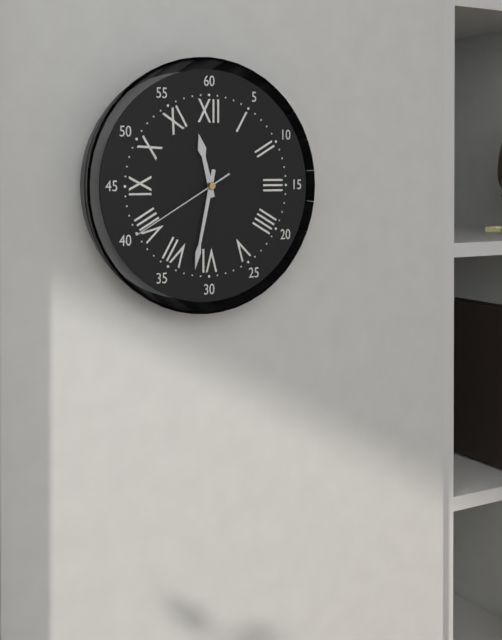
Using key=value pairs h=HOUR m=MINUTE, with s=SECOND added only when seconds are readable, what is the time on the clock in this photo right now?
h=11 m=32 s=40
